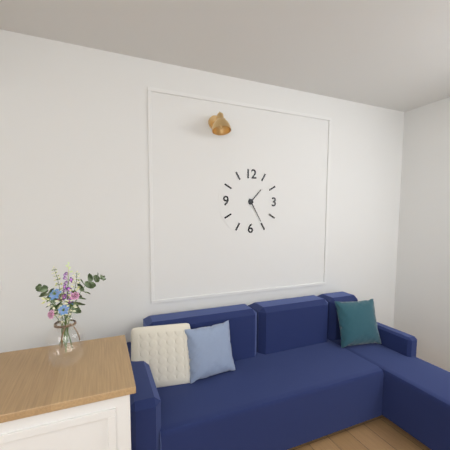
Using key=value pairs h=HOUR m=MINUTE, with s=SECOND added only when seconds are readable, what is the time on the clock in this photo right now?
h=1 m=25
